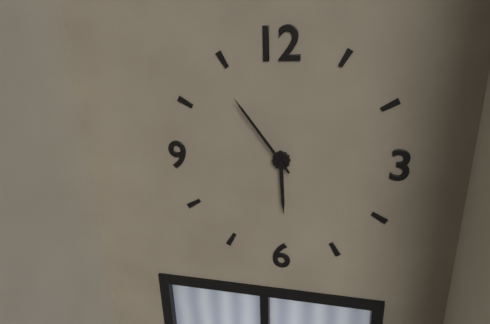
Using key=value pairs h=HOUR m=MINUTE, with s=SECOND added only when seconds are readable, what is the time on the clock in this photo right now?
h=5 m=54
